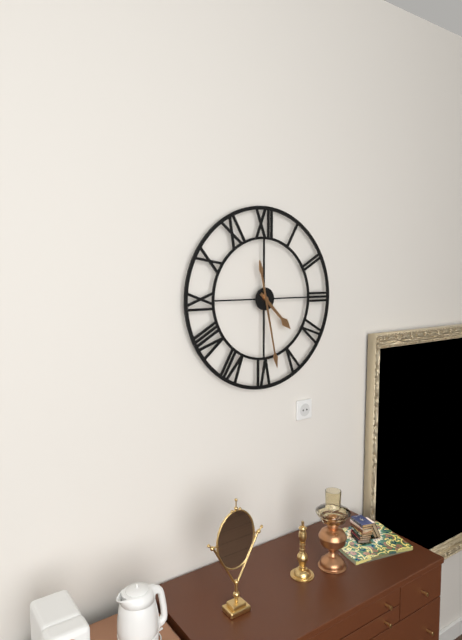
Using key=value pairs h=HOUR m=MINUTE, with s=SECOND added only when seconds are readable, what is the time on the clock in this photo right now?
h=4 m=28
